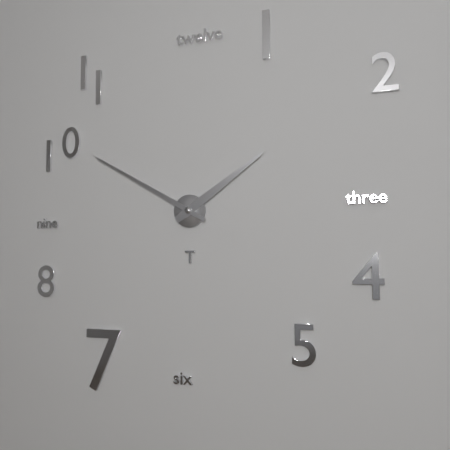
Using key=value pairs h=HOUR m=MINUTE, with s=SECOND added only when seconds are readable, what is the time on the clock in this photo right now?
h=1 m=50
